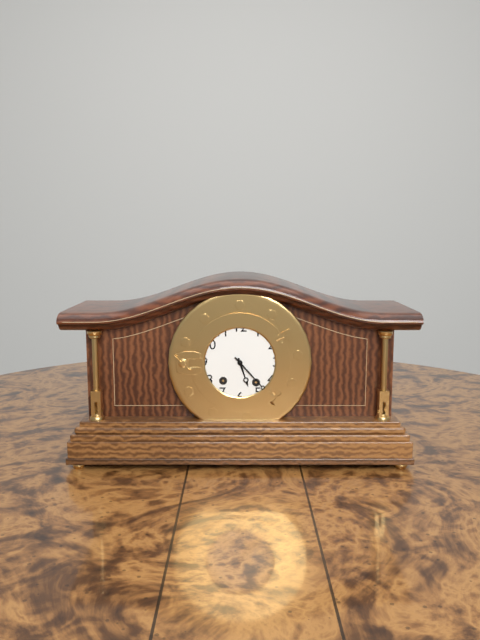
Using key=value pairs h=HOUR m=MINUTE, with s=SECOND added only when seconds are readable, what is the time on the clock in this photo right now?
h=5 m=23
